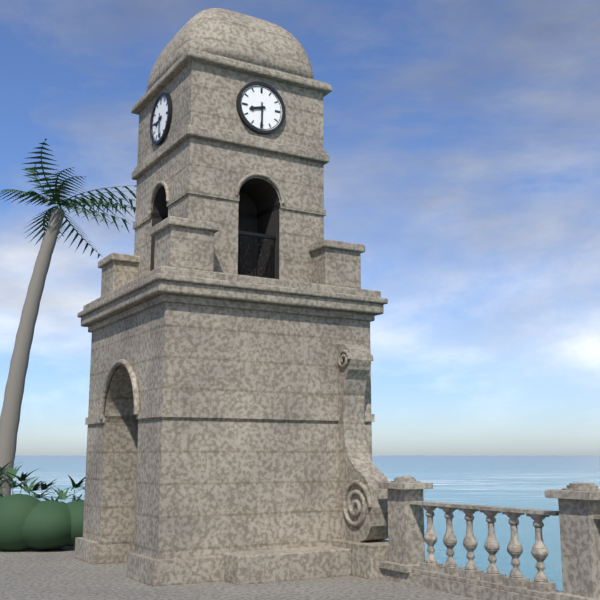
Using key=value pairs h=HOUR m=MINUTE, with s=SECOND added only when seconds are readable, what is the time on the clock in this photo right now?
h=8 m=30
